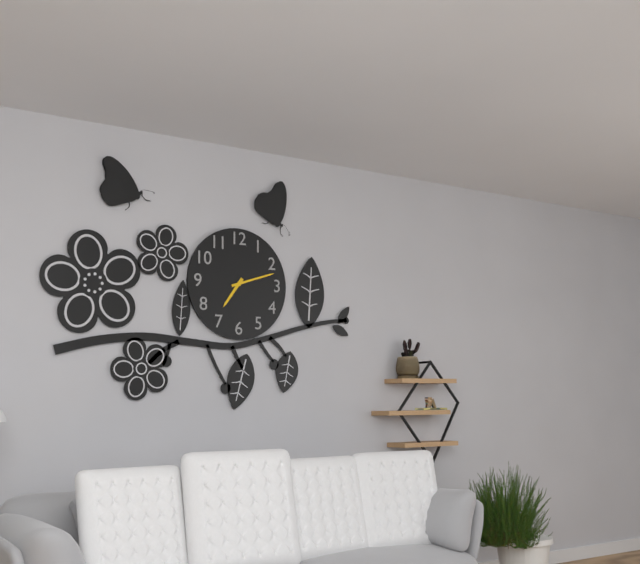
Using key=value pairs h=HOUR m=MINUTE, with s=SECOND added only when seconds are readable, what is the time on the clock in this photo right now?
h=7 m=12
